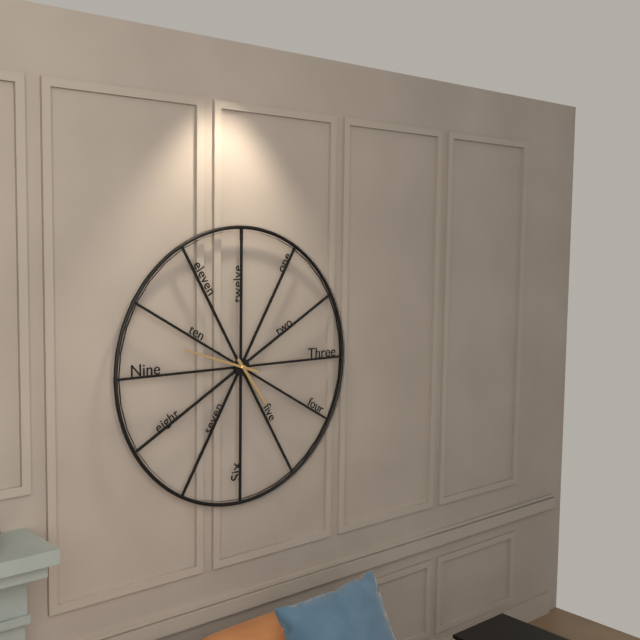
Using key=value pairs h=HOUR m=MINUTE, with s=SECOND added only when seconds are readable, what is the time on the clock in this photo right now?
h=4 m=48
